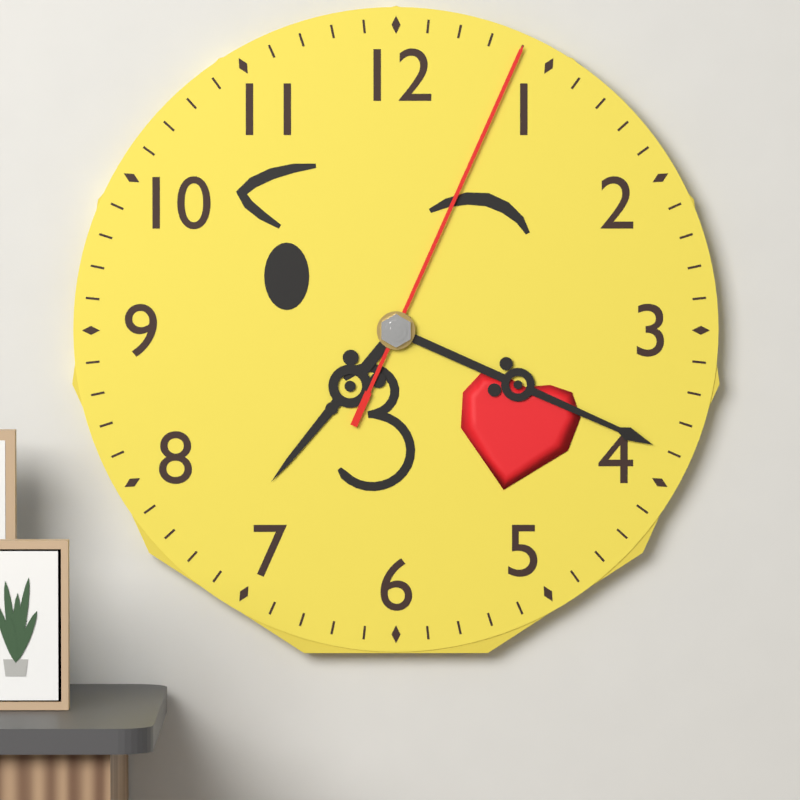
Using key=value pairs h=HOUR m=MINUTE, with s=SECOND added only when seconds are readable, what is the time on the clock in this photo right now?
h=7 m=19 s=4
